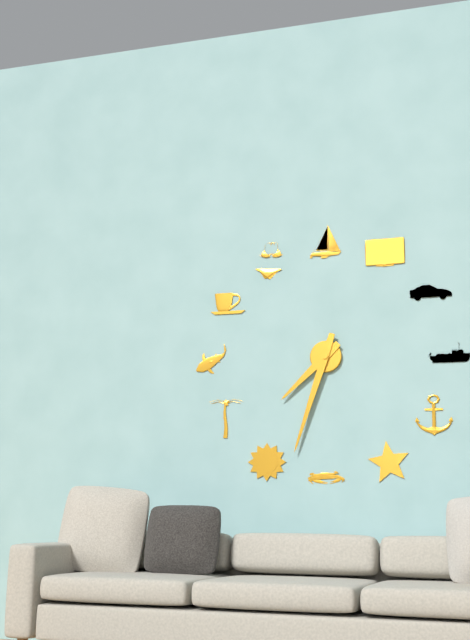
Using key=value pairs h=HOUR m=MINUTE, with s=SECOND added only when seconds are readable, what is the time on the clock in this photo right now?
h=7 m=33
